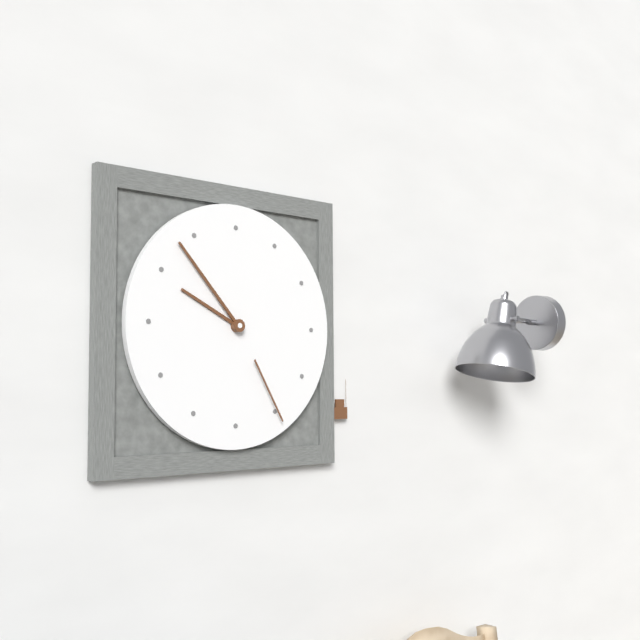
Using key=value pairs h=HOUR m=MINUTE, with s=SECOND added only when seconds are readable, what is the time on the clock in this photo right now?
h=9 m=53 s=25
